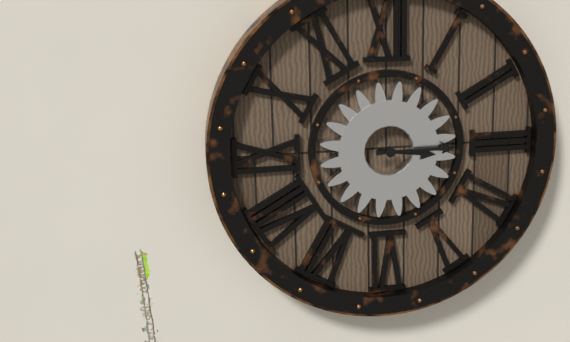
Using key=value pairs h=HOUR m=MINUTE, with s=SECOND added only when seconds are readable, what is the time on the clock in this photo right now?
h=3 m=15
